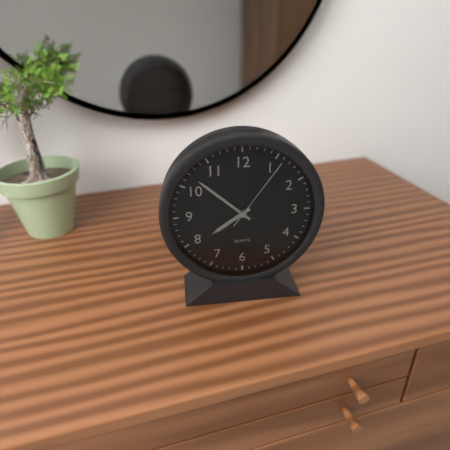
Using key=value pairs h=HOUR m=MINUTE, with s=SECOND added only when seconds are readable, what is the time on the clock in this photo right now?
h=7 m=52 s=6
